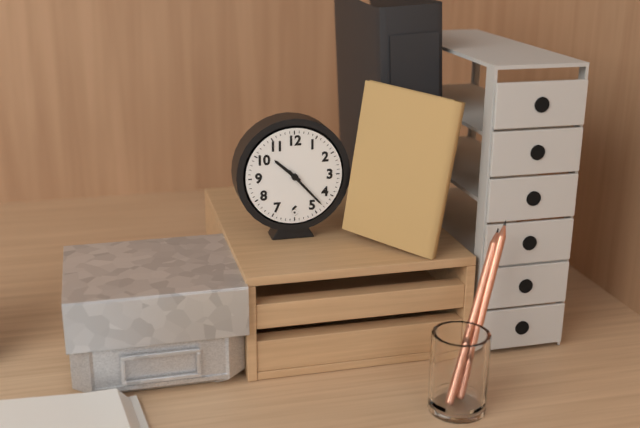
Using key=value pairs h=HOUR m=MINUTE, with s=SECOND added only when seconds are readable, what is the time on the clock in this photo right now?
h=10 m=23
